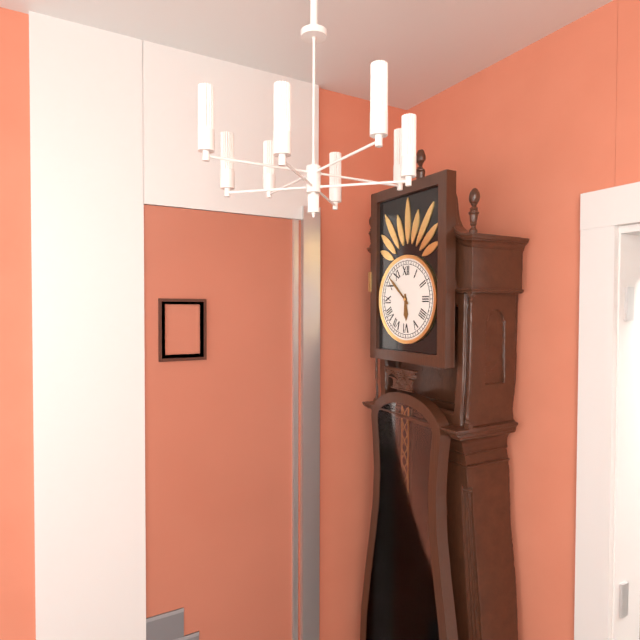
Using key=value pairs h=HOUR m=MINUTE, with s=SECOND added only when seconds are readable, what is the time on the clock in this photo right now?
h=5 m=52
